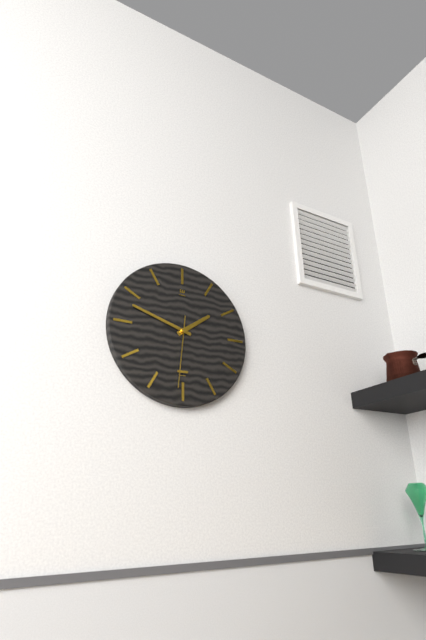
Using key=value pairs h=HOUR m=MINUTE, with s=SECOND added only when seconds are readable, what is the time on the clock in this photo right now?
h=1 m=48 s=31
